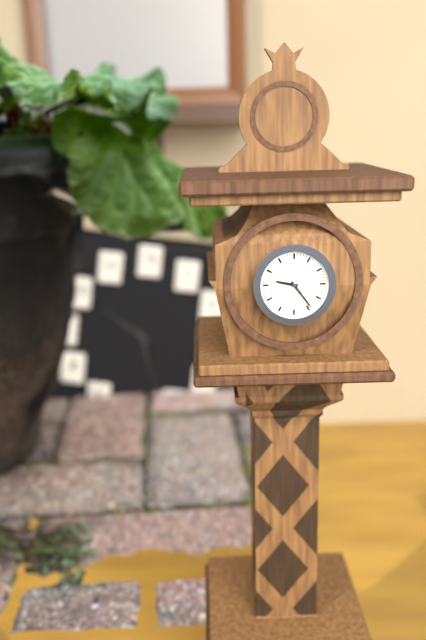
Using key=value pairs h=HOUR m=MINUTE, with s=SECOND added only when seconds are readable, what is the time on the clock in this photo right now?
h=9 m=24
